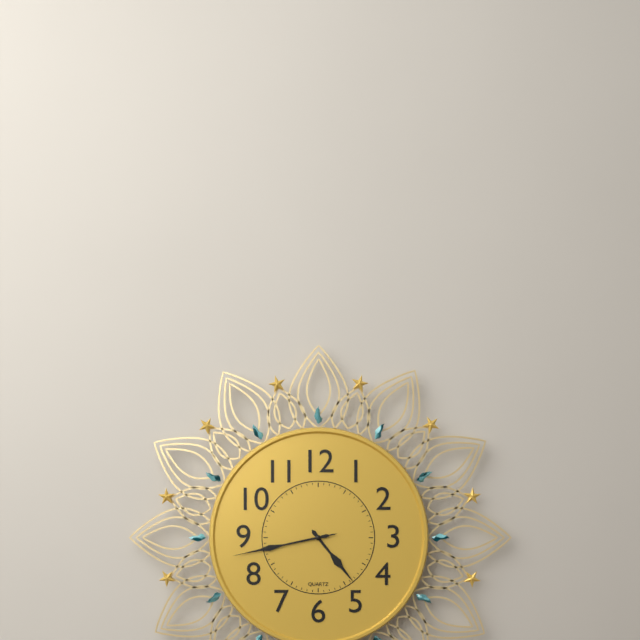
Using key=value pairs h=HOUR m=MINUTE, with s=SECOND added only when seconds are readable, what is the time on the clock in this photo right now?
h=4 m=43 s=43
